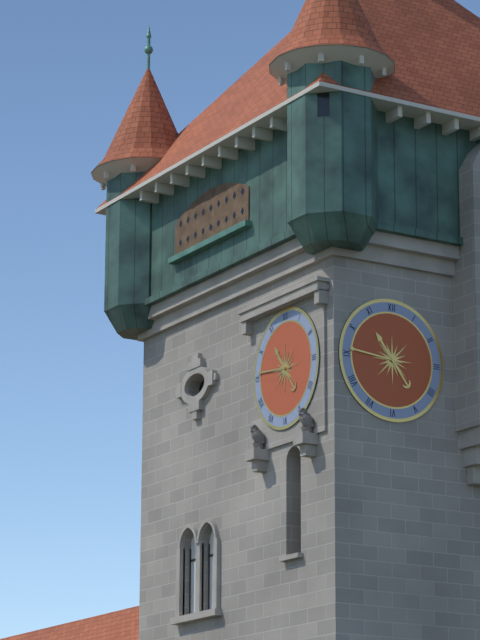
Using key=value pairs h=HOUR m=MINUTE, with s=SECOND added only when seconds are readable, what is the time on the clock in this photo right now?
h=10 m=46
